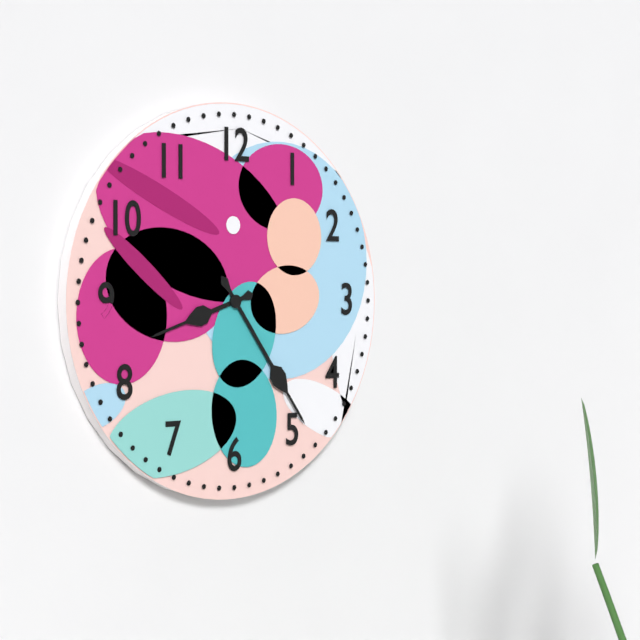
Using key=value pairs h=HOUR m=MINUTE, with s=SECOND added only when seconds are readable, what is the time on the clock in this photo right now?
h=8 m=24
